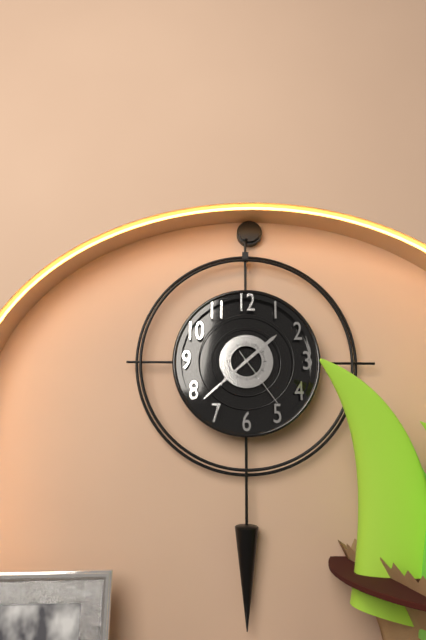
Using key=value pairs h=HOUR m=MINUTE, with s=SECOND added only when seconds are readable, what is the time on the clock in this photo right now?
h=1 m=38 s=24
